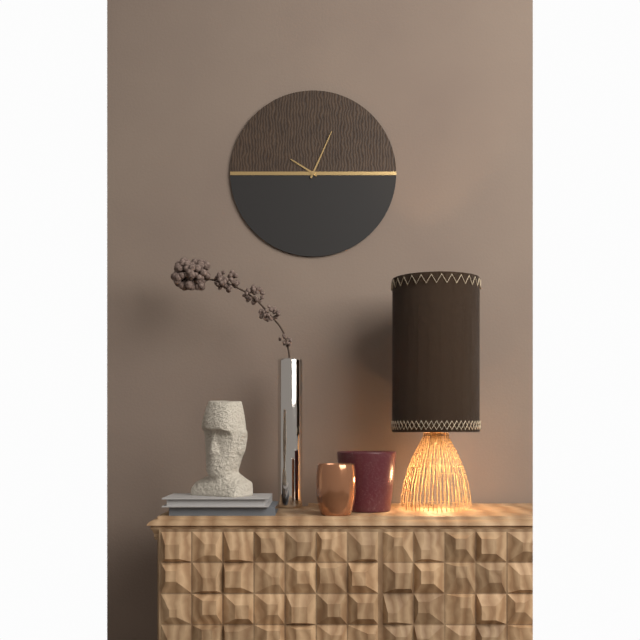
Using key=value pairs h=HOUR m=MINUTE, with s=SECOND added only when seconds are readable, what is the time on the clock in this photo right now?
h=10 m=4
